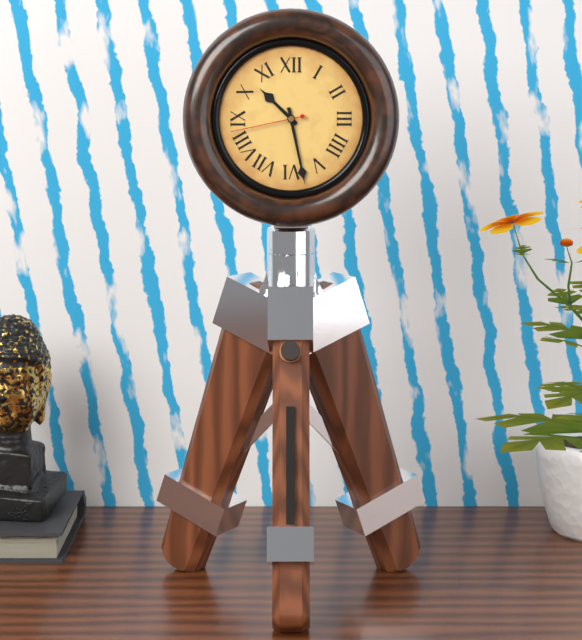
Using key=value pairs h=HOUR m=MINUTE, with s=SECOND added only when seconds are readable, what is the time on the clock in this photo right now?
h=10 m=28 s=43
